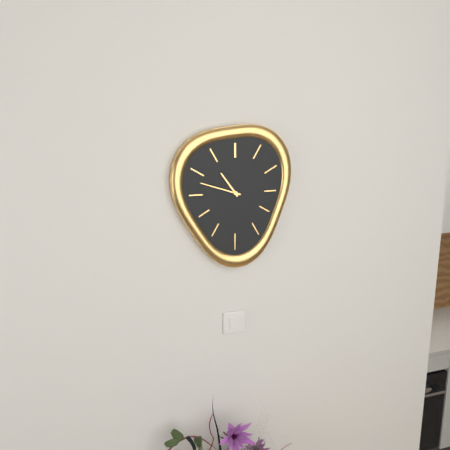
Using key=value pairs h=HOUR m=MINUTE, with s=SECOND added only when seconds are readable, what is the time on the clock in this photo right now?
h=10 m=48
